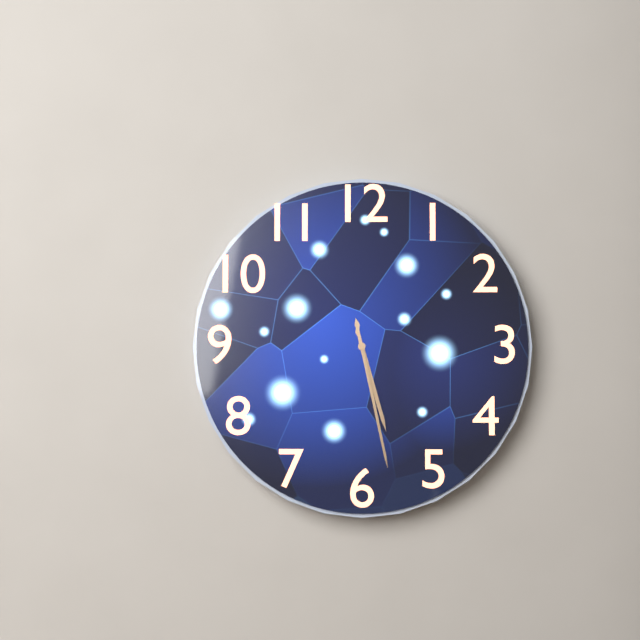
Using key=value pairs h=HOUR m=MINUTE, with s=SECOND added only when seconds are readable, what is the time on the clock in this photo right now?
h=5 m=28
